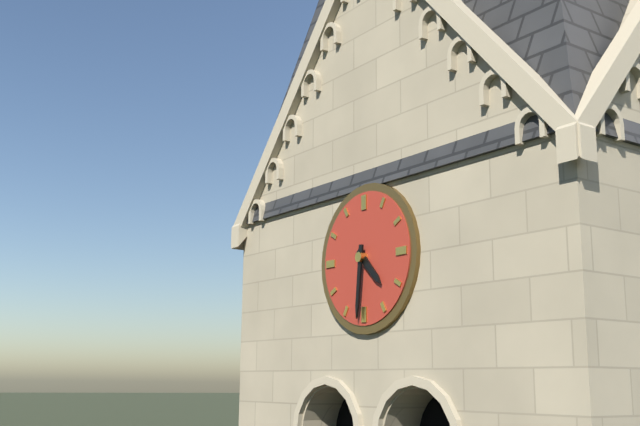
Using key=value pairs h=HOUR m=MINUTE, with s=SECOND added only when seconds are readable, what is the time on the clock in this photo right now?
h=4 m=31
